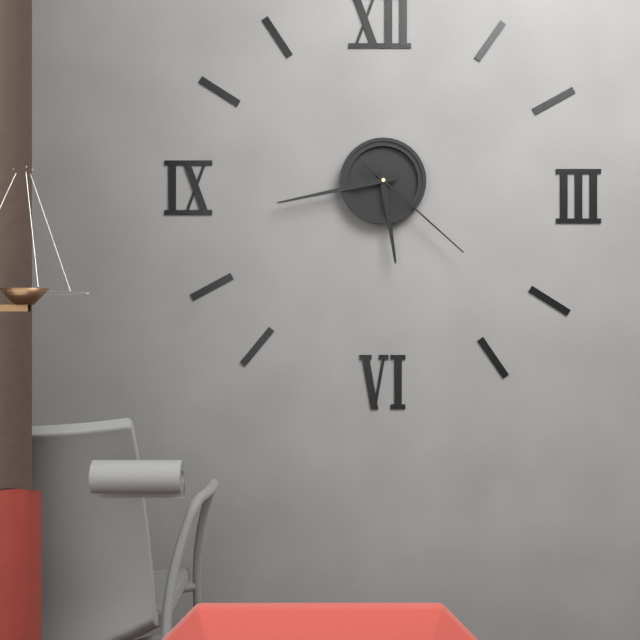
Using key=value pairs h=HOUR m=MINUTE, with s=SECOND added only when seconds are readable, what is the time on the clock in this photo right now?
h=5 m=43 s=22
